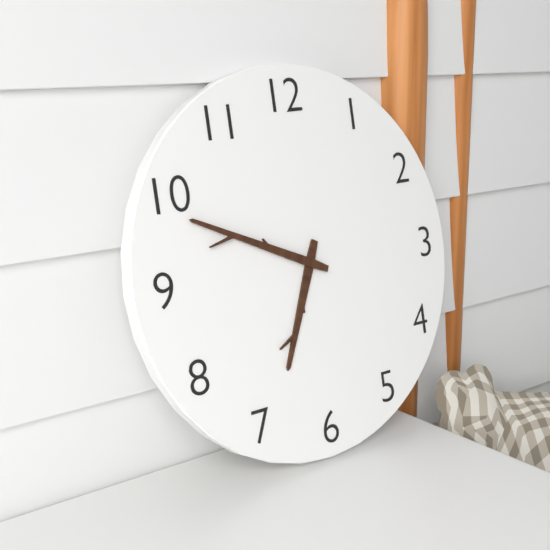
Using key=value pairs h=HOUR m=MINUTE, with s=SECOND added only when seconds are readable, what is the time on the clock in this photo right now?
h=6 m=49
